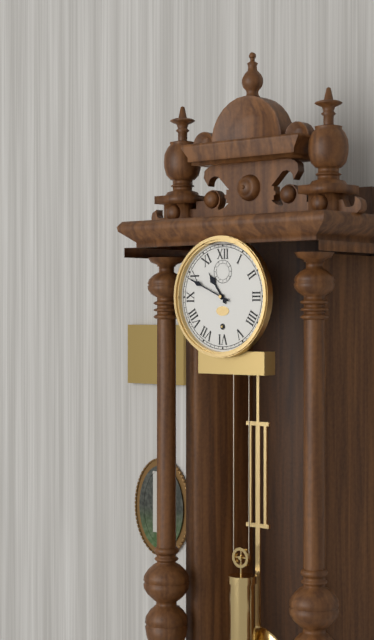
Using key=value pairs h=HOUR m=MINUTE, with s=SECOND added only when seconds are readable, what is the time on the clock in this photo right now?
h=10 m=49
